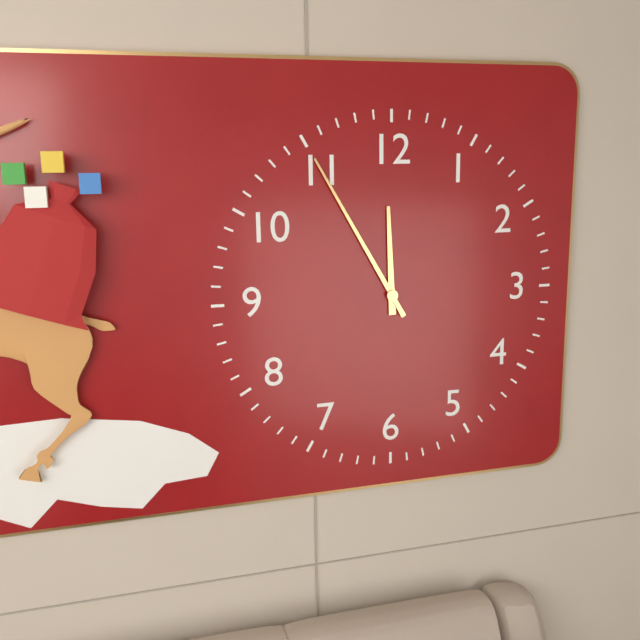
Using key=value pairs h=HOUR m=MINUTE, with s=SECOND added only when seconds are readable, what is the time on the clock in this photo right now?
h=11 m=55
